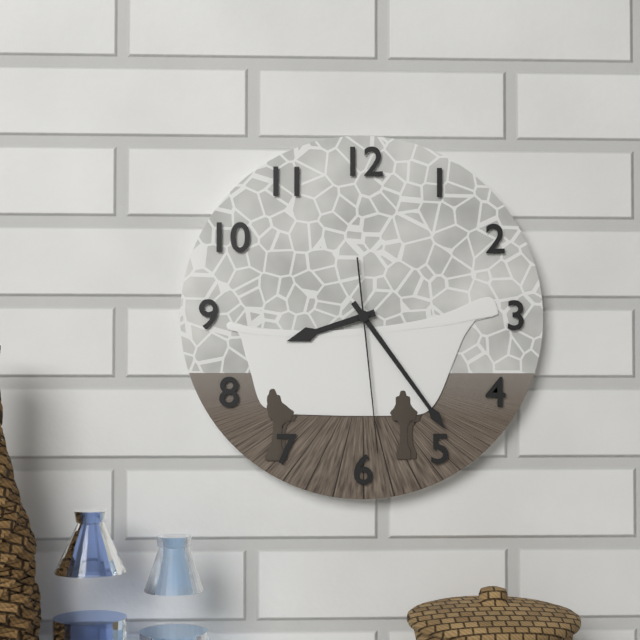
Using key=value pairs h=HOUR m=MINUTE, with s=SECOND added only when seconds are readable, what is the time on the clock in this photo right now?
h=8 m=24 s=29
